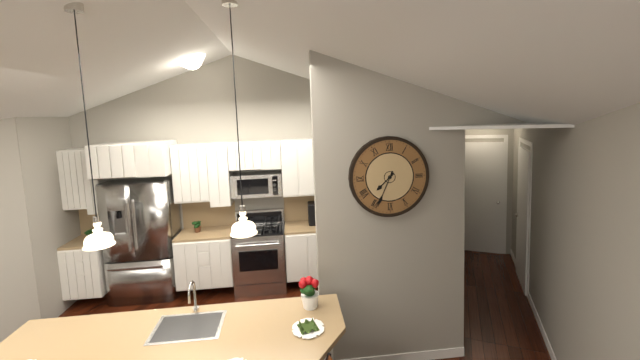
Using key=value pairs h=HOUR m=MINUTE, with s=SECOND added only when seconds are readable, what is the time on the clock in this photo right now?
h=7 m=34
